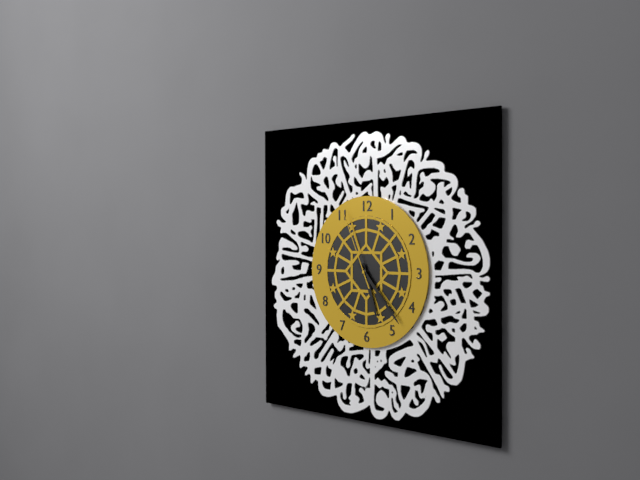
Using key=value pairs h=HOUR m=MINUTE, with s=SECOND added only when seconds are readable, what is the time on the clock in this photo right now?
h=5 m=23 s=56
